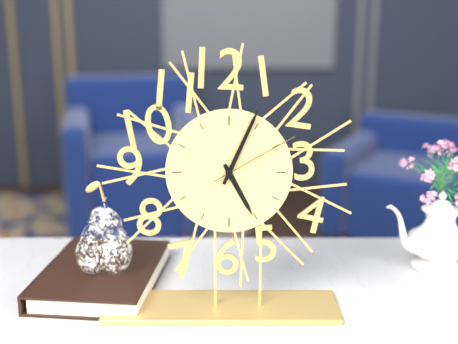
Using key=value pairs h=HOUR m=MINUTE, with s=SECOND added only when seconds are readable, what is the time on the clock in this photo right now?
h=5 m=4 s=10
